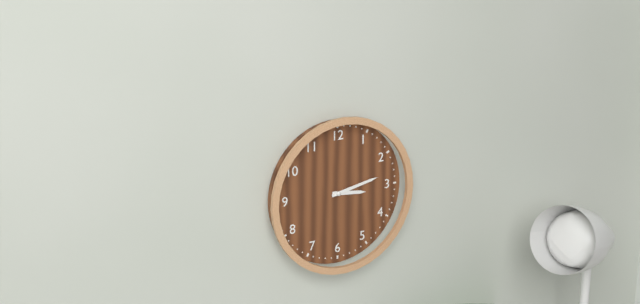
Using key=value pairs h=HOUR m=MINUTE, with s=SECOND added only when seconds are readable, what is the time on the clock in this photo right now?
h=3 m=13
